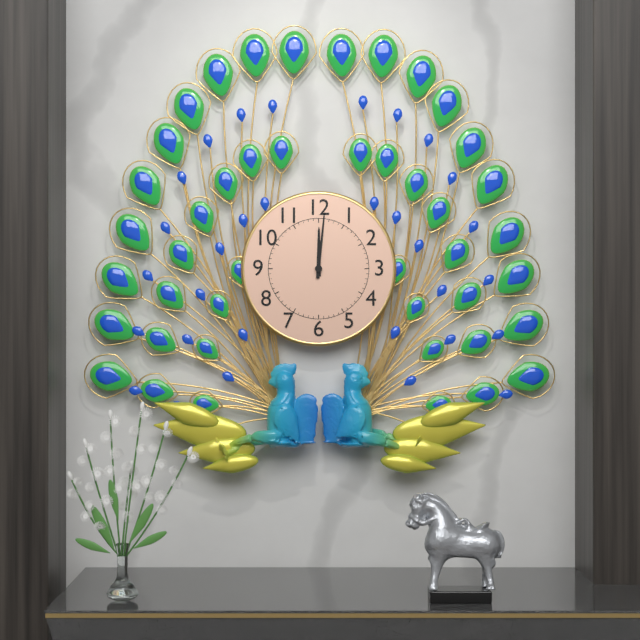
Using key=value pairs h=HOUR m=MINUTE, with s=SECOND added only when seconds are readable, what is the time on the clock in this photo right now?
h=12 m=1
